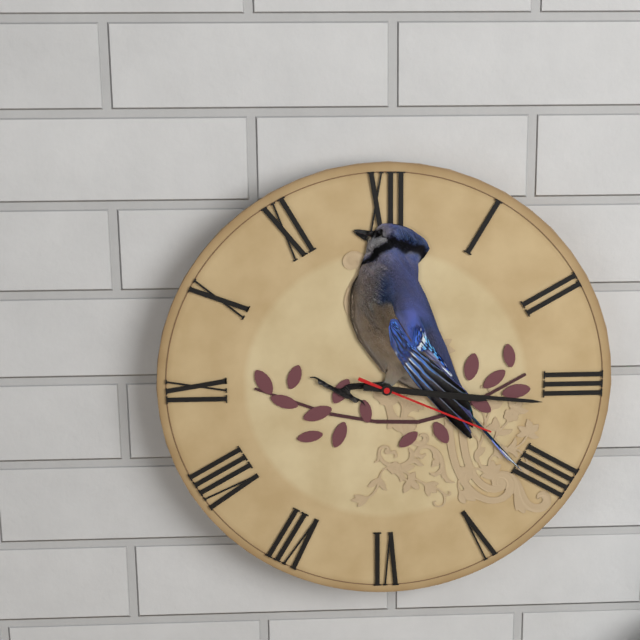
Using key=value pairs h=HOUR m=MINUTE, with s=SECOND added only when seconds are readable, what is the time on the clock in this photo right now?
h=3 m=16 s=19
